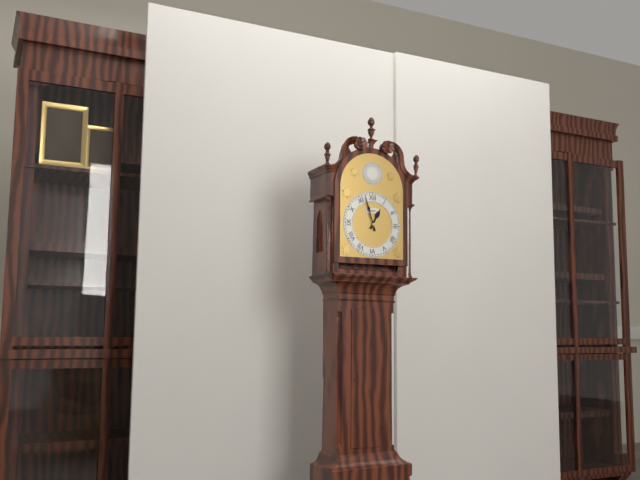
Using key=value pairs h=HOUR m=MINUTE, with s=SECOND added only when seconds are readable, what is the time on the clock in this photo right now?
h=12 m=57
